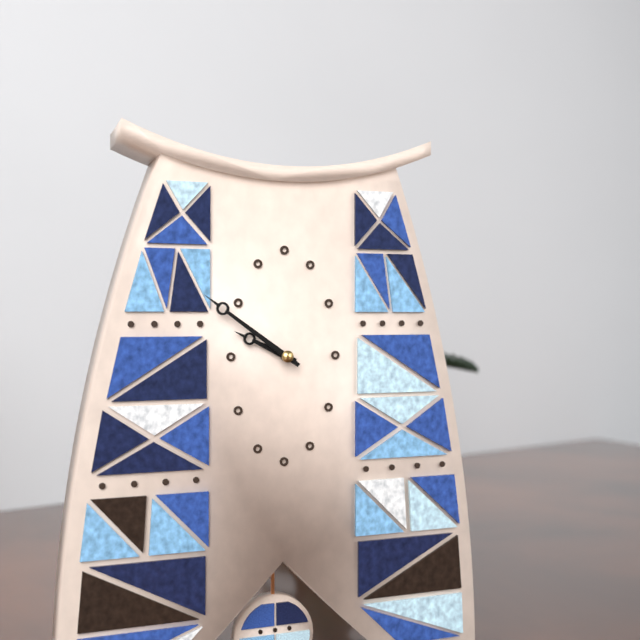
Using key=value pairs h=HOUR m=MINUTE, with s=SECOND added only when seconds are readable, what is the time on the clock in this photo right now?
h=9 m=51
